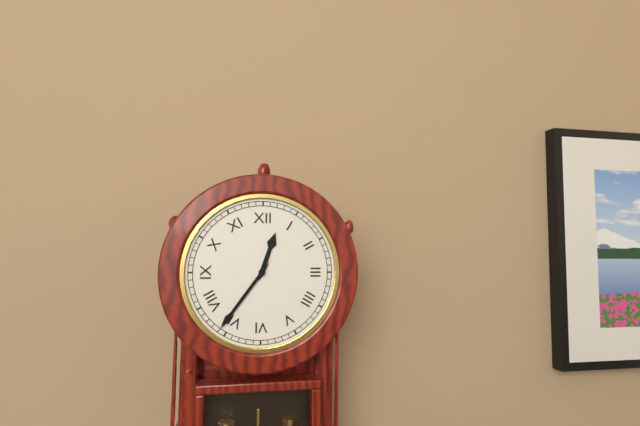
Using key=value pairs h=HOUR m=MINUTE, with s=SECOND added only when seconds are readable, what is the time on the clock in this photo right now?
h=12 m=36
